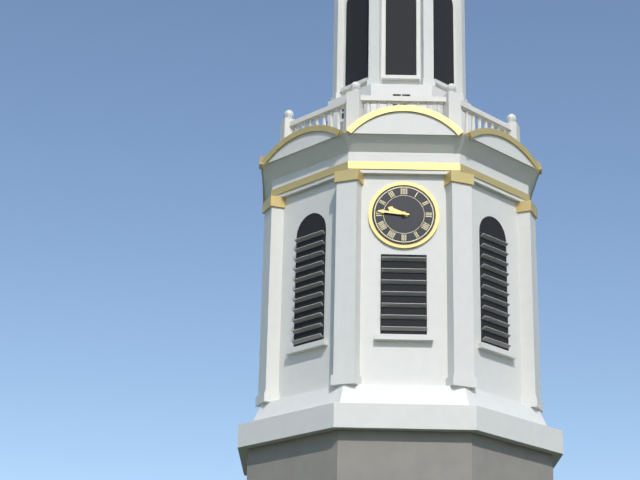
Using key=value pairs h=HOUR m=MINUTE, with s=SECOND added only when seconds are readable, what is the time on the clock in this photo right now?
h=9 m=46
